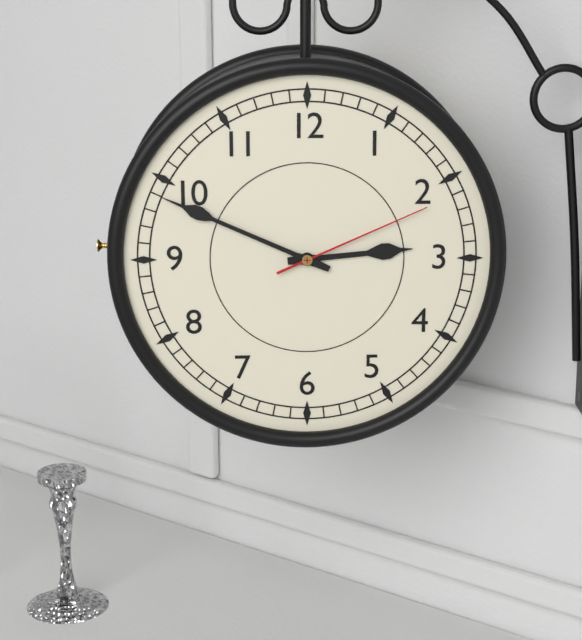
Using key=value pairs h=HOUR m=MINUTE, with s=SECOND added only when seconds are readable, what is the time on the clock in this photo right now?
h=2 m=49 s=11
